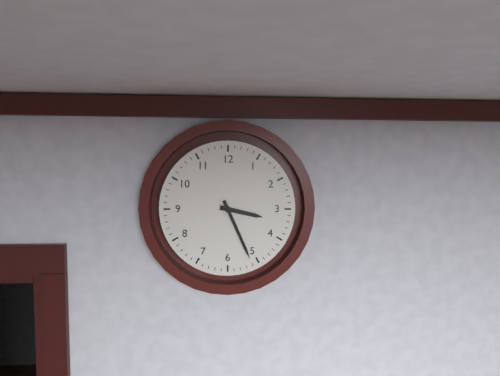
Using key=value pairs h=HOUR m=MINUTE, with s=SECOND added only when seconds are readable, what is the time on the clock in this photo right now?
h=3 m=26
